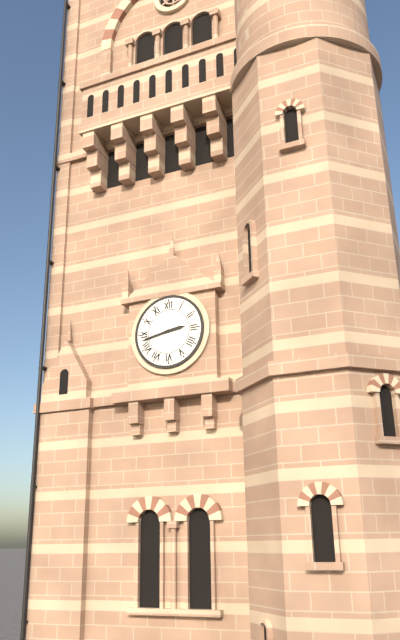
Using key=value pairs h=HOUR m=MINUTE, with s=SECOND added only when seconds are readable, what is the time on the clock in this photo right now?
h=2 m=43
